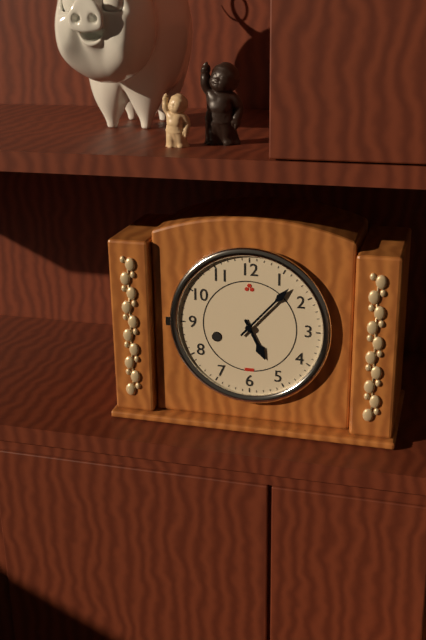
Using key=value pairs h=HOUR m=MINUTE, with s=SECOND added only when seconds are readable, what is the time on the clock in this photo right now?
h=5 m=7
